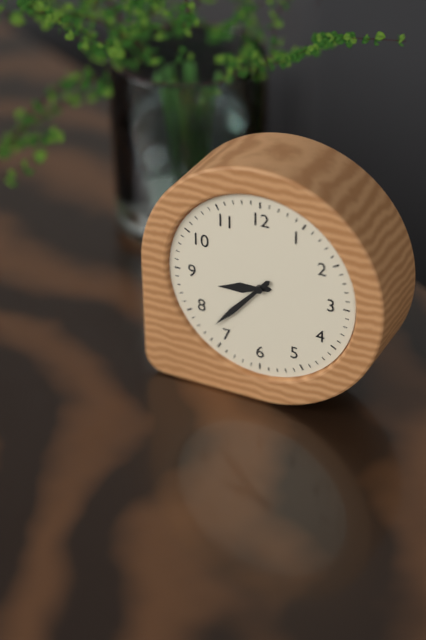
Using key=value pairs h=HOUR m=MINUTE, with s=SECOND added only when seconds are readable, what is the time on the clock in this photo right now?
h=8 m=37
